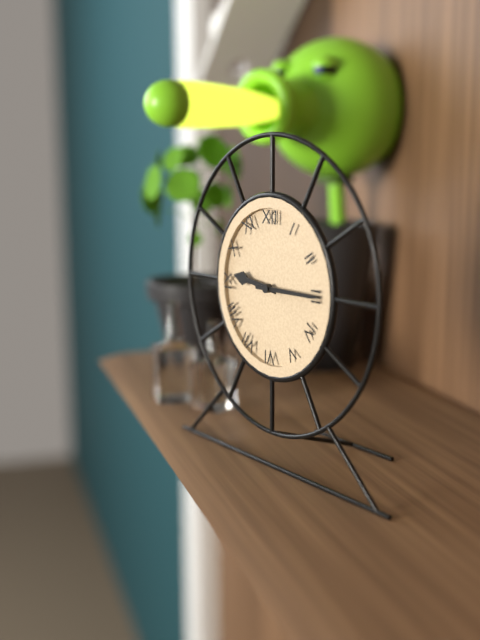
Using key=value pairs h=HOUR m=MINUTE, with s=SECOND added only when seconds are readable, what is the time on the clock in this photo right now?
h=9 m=15
